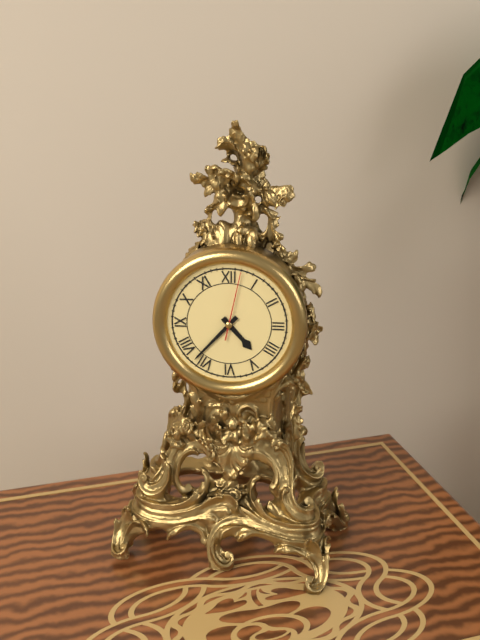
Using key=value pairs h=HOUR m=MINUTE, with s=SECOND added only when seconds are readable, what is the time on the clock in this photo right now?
h=4 m=37 s=2
